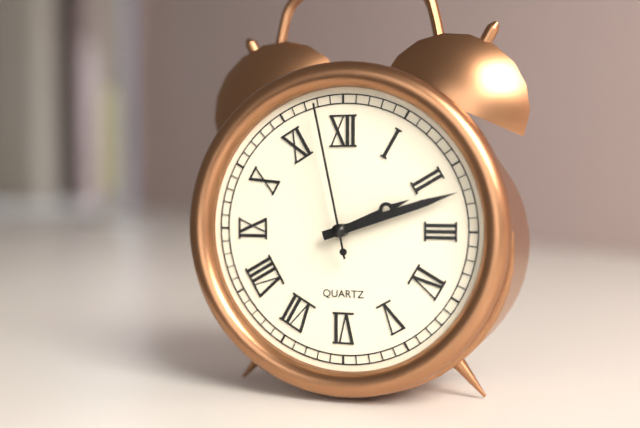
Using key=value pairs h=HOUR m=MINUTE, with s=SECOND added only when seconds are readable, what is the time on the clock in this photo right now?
h=2 m=12 s=58
